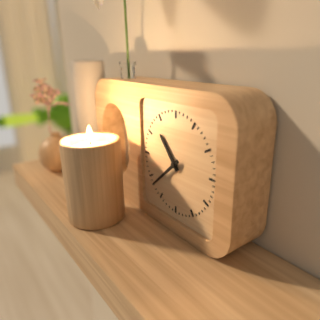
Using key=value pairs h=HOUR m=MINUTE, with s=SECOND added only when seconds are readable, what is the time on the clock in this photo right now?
h=10 m=38
